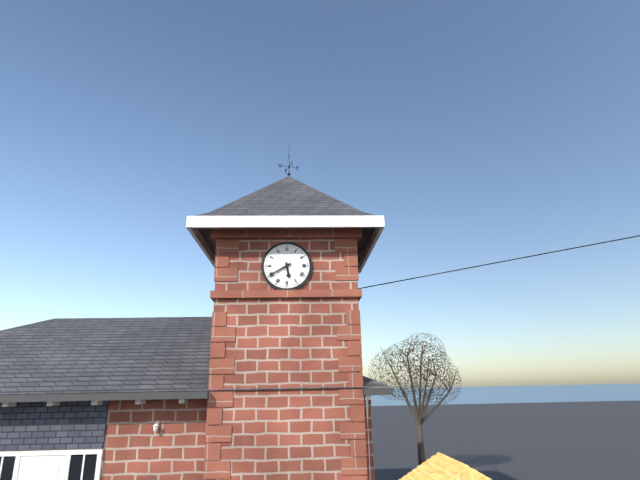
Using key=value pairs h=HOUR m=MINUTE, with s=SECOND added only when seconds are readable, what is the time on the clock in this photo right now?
h=5 m=40
